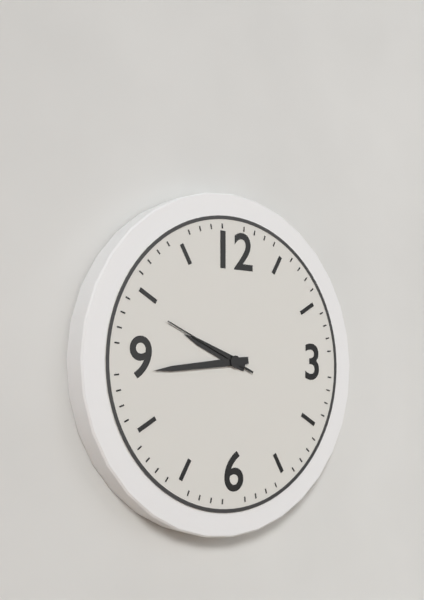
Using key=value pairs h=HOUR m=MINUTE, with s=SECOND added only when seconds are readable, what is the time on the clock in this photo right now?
h=9 m=44 s=49
